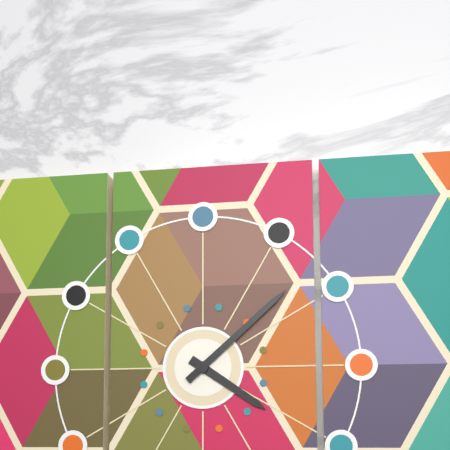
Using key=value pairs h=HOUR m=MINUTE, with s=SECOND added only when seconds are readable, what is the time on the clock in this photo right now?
h=4 m=8
